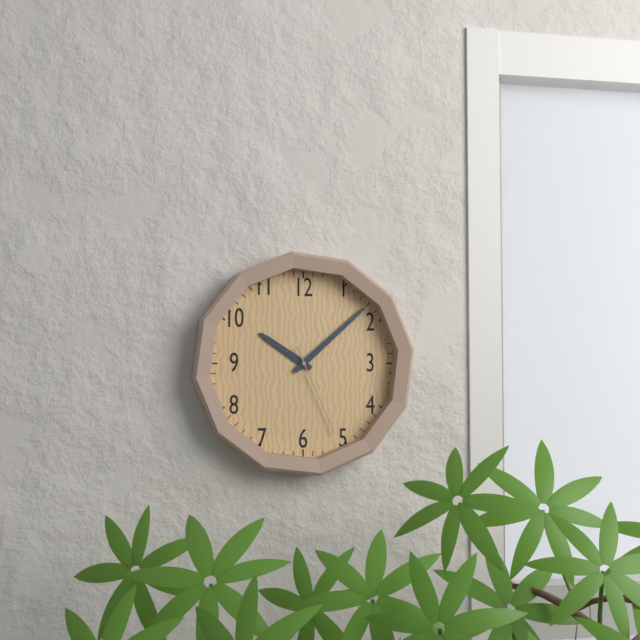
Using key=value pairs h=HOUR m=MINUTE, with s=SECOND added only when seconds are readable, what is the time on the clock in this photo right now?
h=10 m=8 s=26
